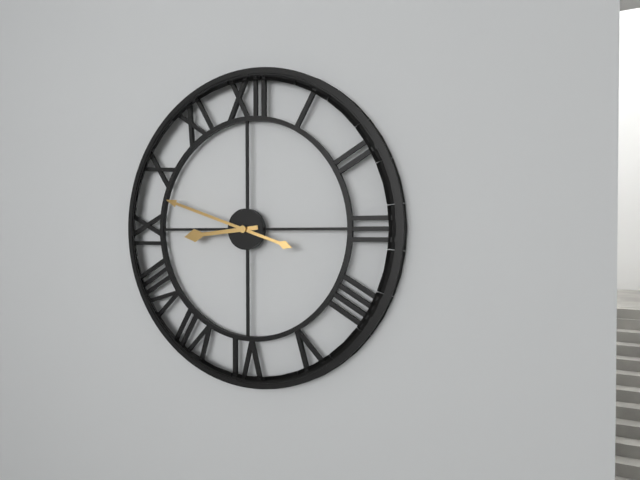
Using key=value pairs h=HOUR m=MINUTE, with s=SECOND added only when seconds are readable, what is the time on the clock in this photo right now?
h=8 m=48
